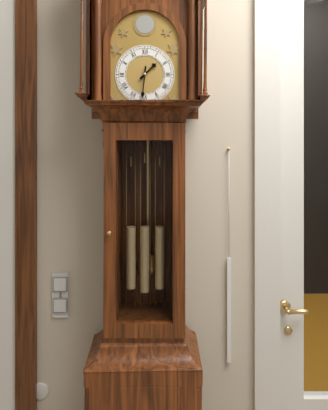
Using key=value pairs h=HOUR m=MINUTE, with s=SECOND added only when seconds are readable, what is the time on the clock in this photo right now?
h=1 m=31
